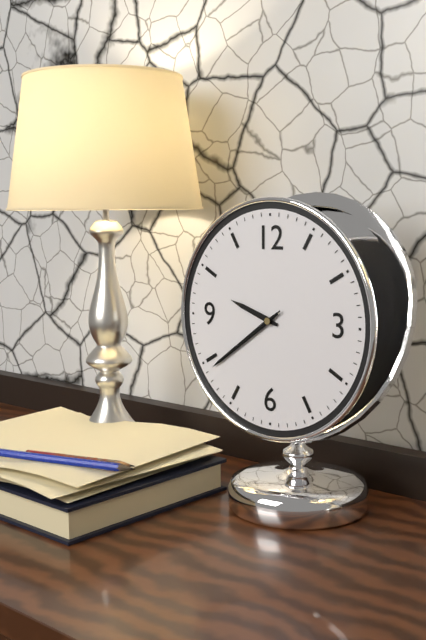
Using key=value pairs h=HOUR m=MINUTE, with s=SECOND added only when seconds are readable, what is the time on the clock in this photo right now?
h=9 m=39 s=39
